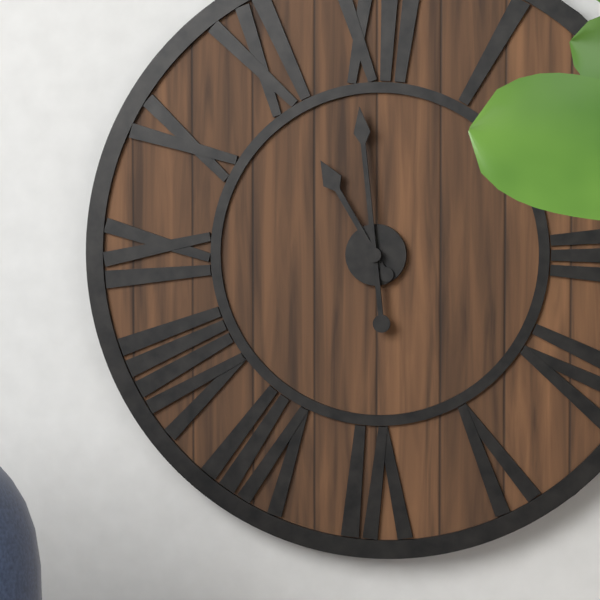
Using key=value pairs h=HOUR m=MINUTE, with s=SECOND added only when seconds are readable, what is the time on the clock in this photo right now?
h=10 m=59
